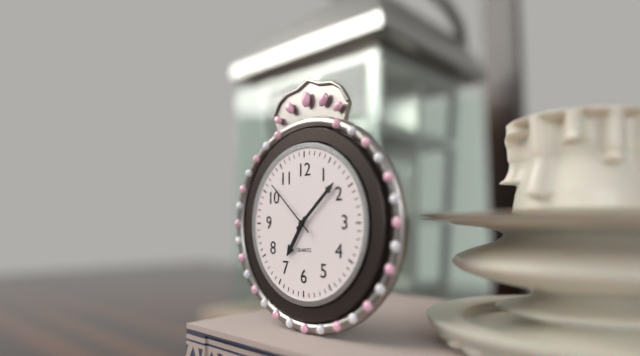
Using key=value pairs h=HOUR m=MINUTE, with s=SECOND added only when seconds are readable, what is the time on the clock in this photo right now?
h=7 m=8 s=52
